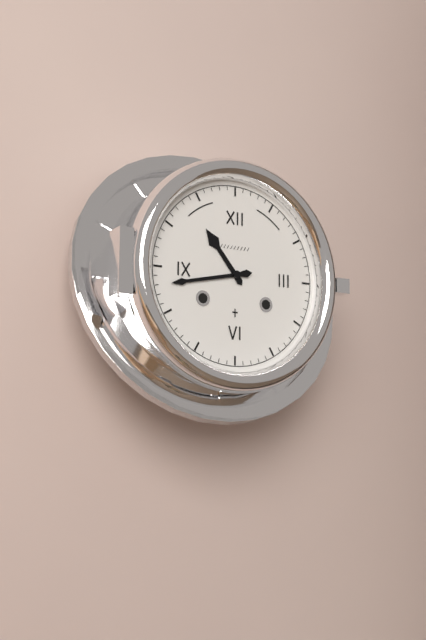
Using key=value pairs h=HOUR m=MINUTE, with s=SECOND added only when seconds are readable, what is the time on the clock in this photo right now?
h=10 m=43
